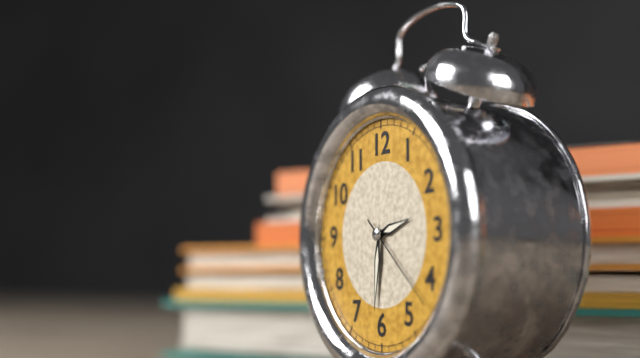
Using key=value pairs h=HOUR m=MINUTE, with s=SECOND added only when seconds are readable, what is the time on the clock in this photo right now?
h=2 m=31 s=22
